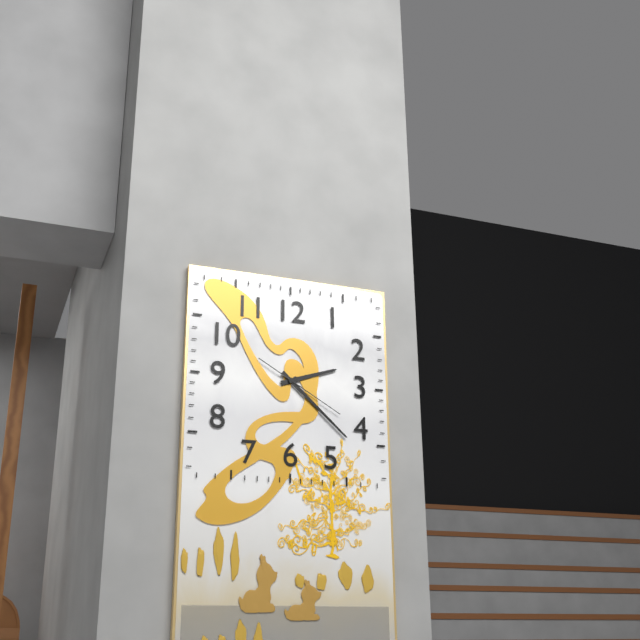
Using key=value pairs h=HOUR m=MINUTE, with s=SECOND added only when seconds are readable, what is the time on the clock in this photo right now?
h=2 m=22 s=20
